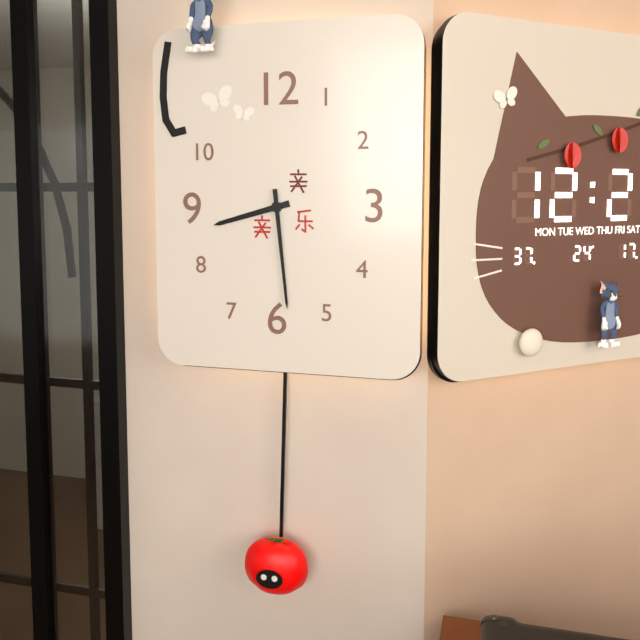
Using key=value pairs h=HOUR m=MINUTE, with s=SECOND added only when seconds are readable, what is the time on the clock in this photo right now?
h=8 m=29
